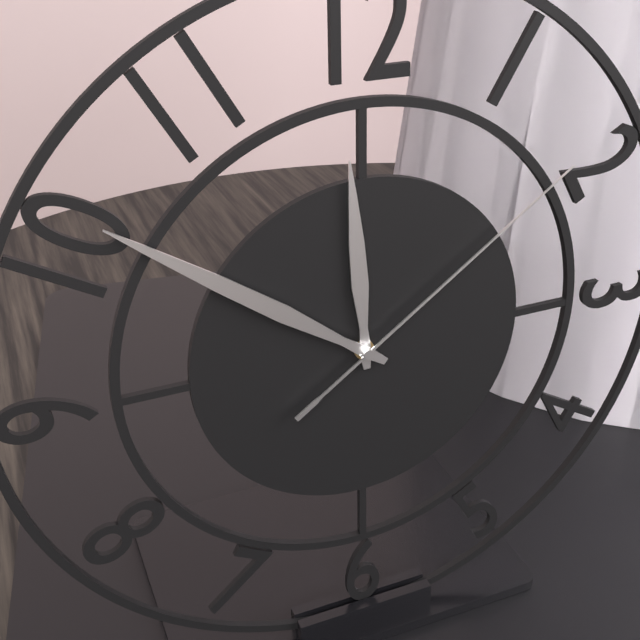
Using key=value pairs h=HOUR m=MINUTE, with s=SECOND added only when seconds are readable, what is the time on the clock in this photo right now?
h=11 m=51 s=9
